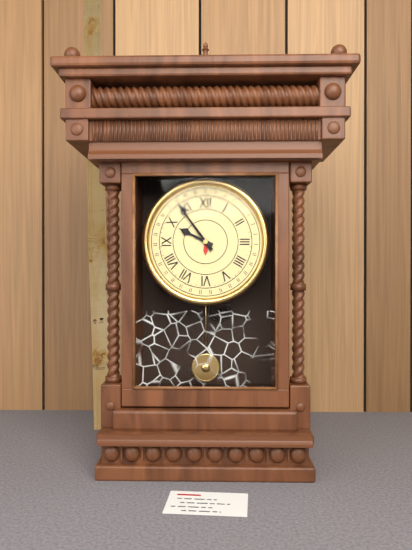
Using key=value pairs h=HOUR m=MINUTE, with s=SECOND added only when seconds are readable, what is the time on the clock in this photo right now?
h=9 m=54
